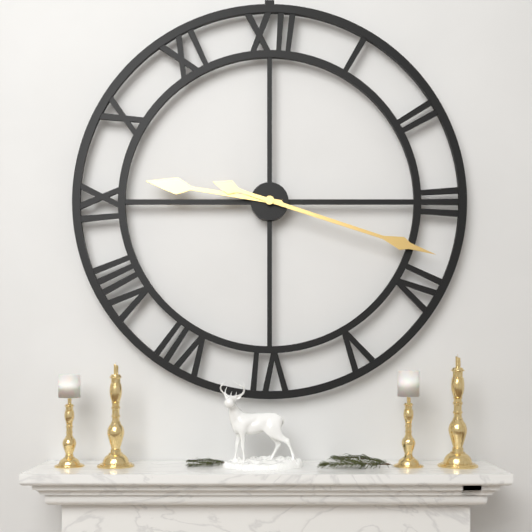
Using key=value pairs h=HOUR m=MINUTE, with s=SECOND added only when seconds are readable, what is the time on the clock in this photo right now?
h=9 m=18
